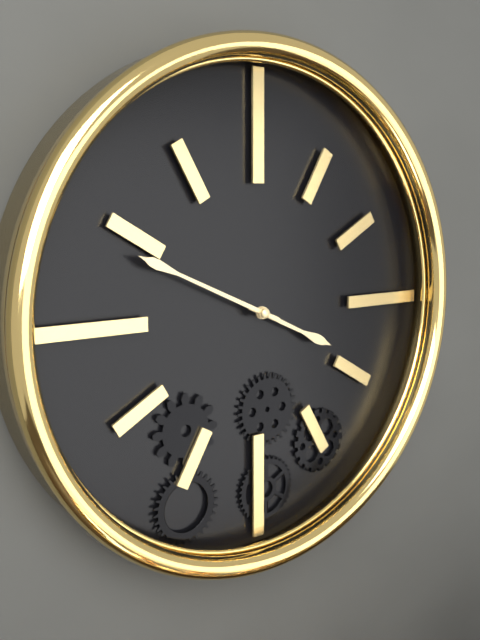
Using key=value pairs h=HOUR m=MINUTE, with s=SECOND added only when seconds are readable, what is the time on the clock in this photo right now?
h=3 m=49
